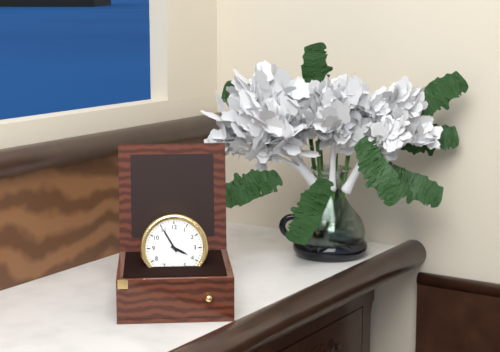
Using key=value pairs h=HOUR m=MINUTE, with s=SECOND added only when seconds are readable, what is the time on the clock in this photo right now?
h=3 m=55
